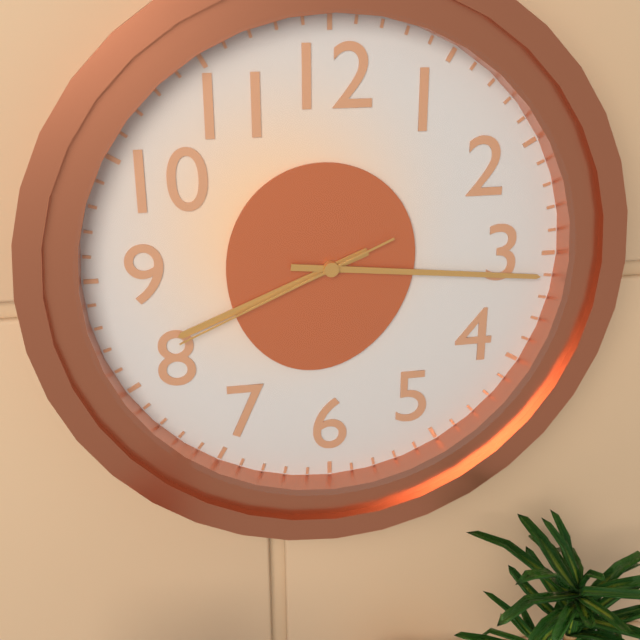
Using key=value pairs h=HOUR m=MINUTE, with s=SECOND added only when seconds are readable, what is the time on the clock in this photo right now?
h=8 m=16 s=41
